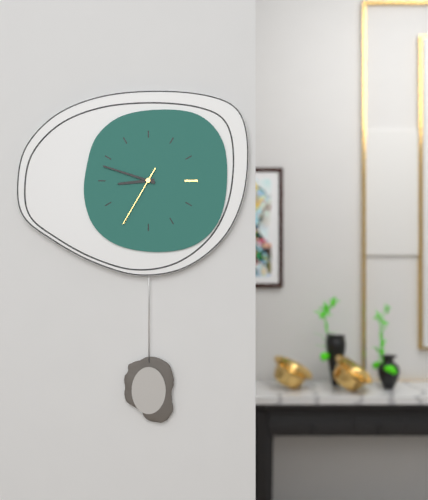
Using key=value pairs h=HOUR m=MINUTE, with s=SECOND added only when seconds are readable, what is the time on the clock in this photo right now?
h=8 m=48 s=35
